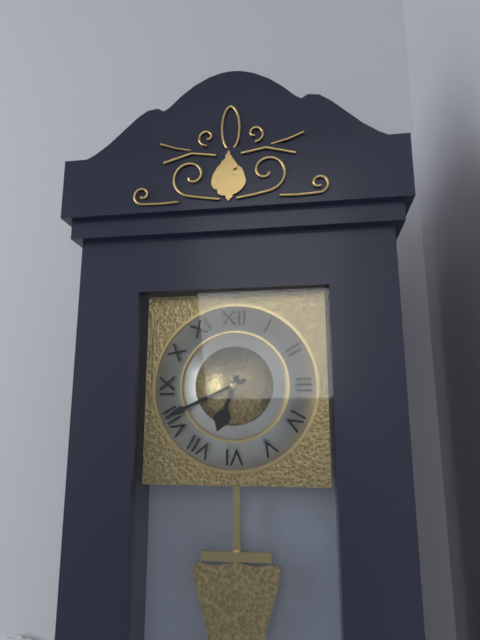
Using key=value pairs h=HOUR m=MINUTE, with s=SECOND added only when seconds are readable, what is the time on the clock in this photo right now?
h=6 m=41
